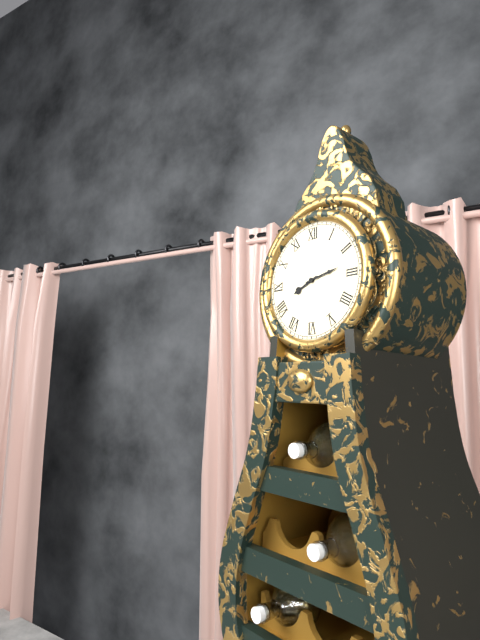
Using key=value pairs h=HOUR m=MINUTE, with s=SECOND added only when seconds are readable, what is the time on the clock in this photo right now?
h=8 m=13
